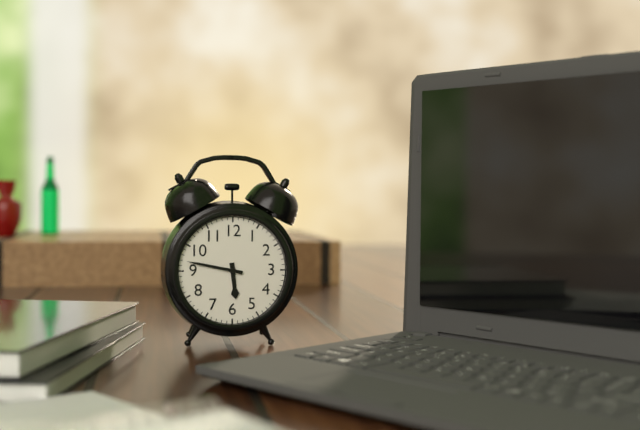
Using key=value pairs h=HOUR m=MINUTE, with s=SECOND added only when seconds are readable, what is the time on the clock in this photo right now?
h=5 m=47
